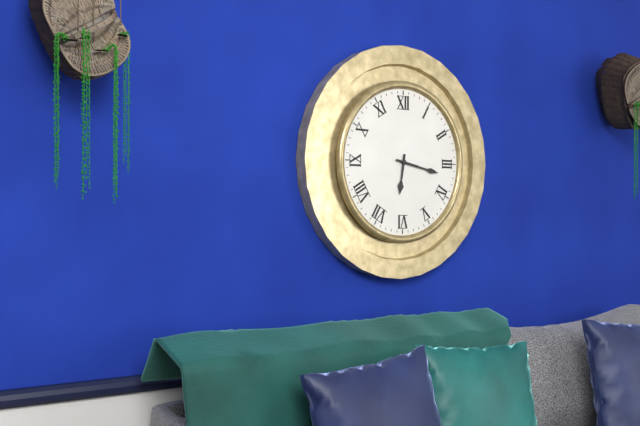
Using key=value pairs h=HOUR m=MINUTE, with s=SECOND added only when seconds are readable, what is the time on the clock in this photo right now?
h=6 m=17
